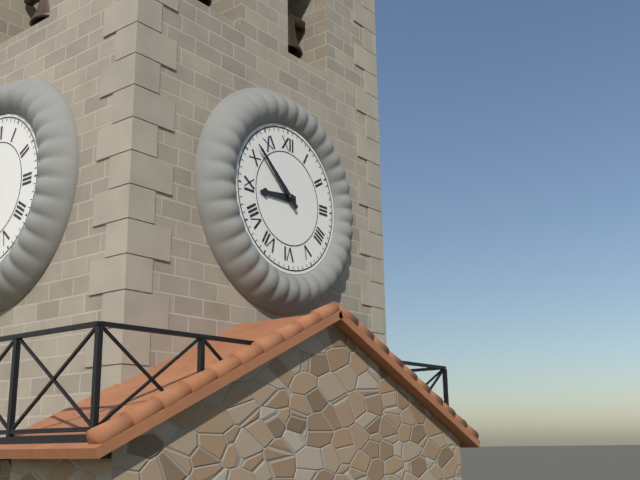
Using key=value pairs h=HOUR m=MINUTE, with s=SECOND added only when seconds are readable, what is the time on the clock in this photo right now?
h=8 m=52
